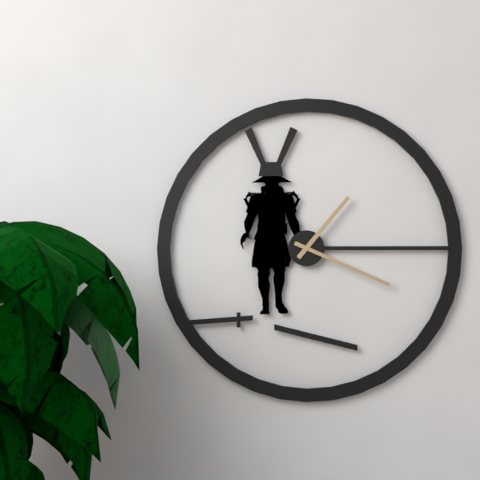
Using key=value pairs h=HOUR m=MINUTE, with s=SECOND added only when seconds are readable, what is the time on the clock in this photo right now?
h=1 m=19
